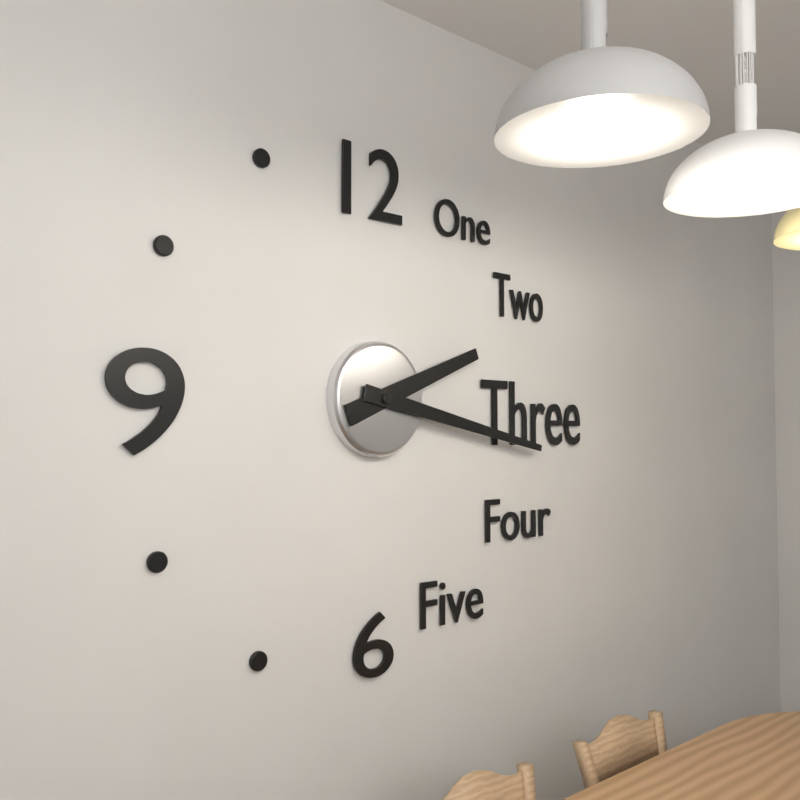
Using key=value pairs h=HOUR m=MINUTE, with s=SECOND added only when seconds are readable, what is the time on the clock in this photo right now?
h=2 m=17
